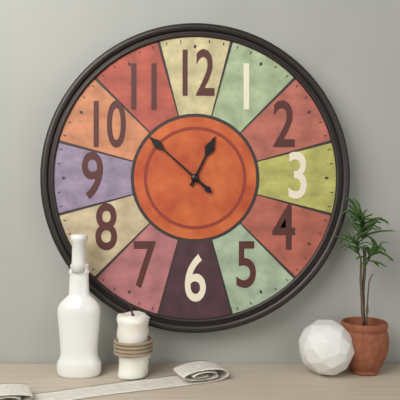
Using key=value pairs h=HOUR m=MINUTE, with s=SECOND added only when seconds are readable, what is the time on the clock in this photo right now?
h=12 m=52
